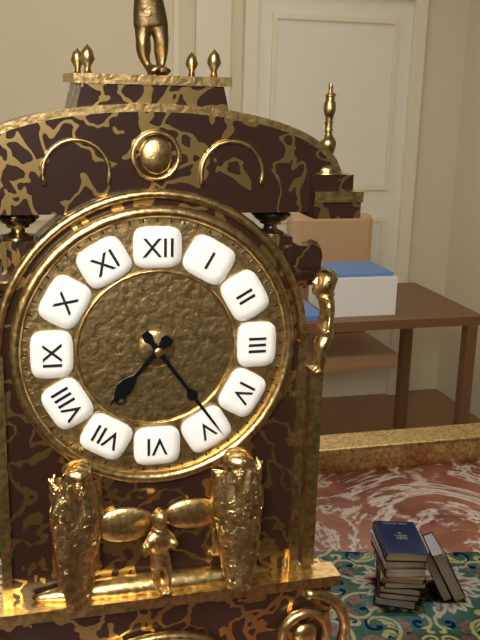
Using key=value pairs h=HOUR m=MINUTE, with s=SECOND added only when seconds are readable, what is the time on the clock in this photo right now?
h=7 m=24
